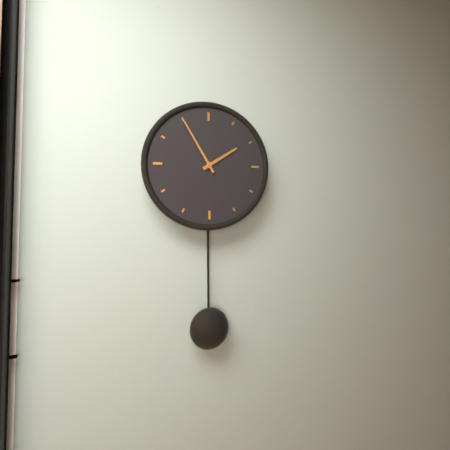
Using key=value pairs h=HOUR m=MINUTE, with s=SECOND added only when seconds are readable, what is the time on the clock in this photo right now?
h=1 m=55
